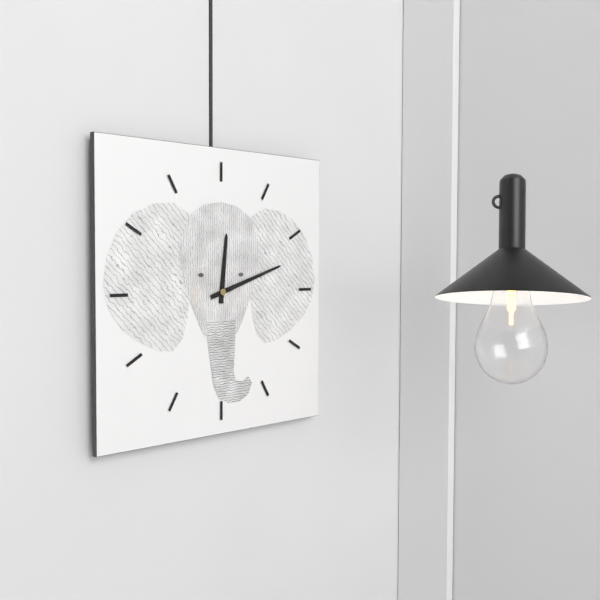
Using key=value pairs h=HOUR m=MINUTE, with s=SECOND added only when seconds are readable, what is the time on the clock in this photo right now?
h=12 m=12
